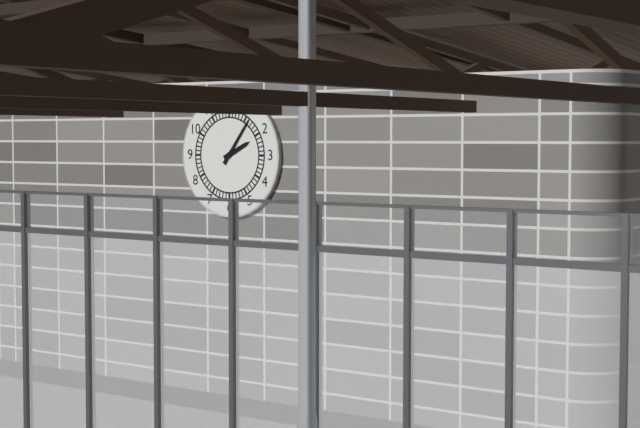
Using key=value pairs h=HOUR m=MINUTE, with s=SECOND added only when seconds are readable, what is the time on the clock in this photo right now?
h=2 m=6
